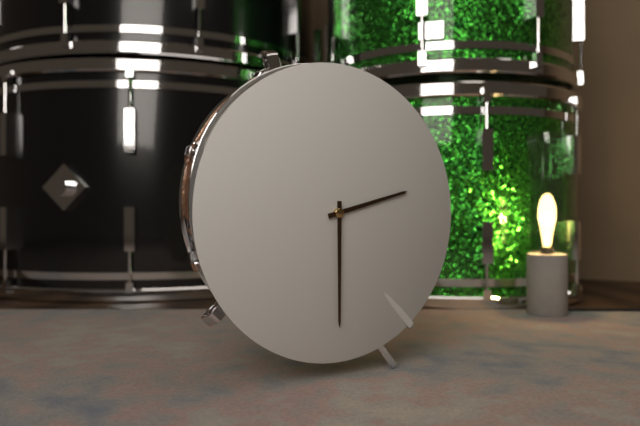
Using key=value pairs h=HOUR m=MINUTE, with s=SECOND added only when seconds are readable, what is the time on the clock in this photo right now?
h=2 m=30
